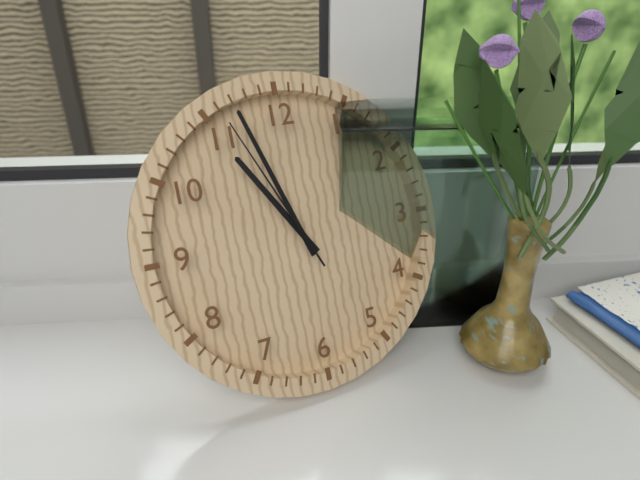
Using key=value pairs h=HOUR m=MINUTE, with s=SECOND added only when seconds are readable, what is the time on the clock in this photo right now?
h=10 m=57 s=56
